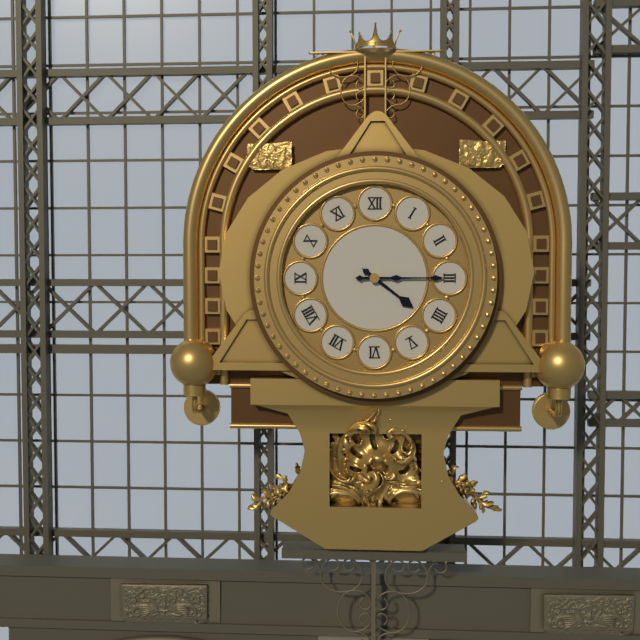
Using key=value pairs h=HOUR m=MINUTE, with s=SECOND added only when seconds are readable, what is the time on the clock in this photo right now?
h=4 m=15
